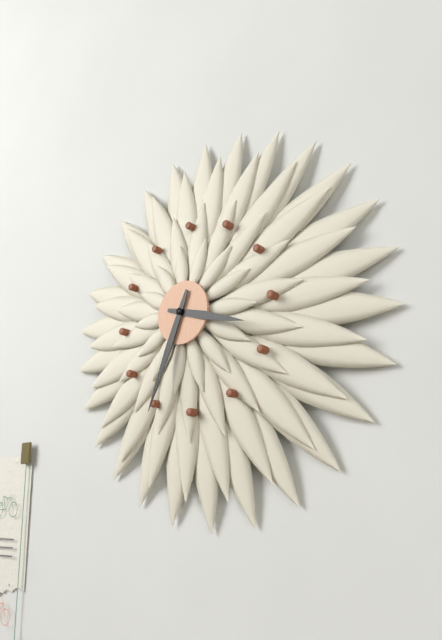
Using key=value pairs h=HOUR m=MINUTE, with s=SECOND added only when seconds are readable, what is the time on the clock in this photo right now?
h=3 m=34
